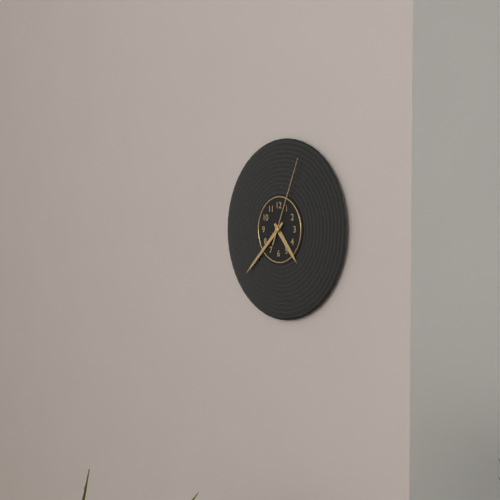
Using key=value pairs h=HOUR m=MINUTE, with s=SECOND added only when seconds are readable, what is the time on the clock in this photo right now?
h=4 m=38 s=4
